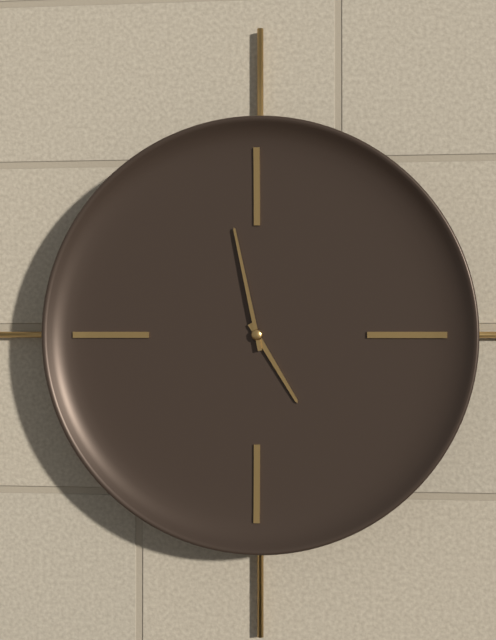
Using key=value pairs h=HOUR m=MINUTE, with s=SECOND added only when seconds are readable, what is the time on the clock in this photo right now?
h=4 m=58
